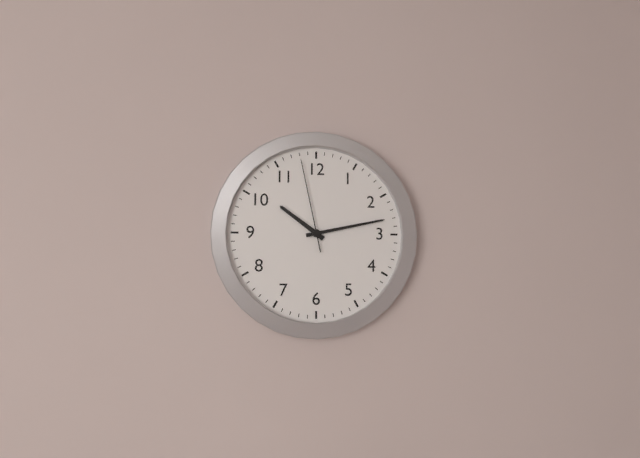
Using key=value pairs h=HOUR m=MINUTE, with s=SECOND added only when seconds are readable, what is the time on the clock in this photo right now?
h=10 m=13 s=58
